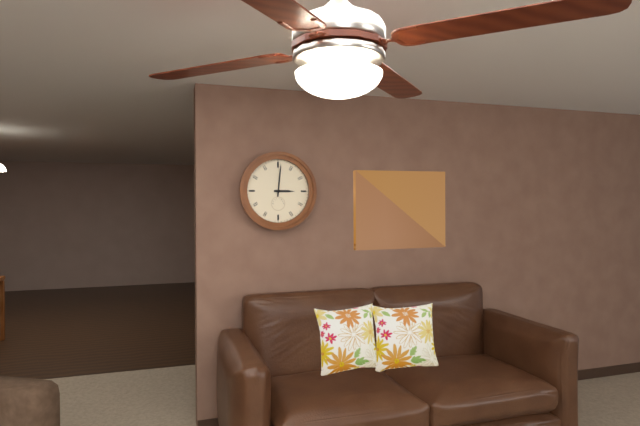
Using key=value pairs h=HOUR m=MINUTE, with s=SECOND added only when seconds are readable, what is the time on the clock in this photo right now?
h=3 m=1
